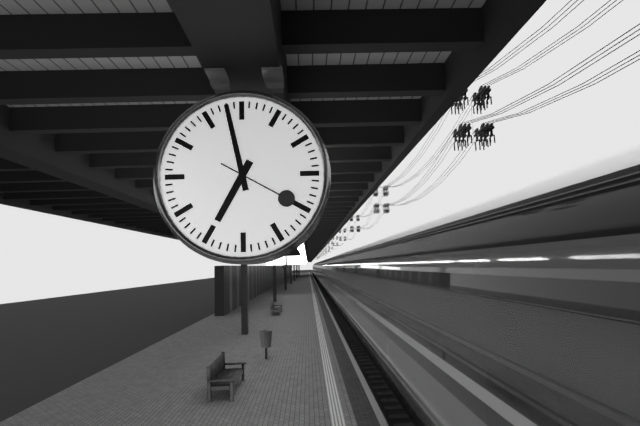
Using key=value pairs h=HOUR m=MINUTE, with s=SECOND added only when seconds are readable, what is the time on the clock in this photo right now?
h=6 m=58 s=20
